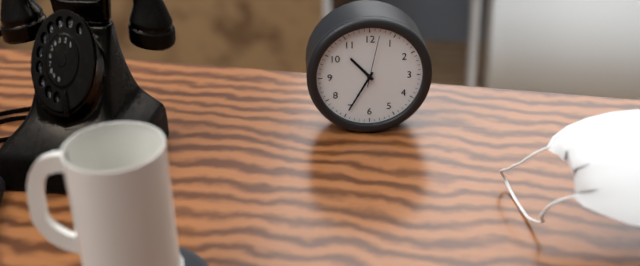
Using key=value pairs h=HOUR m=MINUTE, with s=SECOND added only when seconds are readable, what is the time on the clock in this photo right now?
h=10 m=35 s=2
